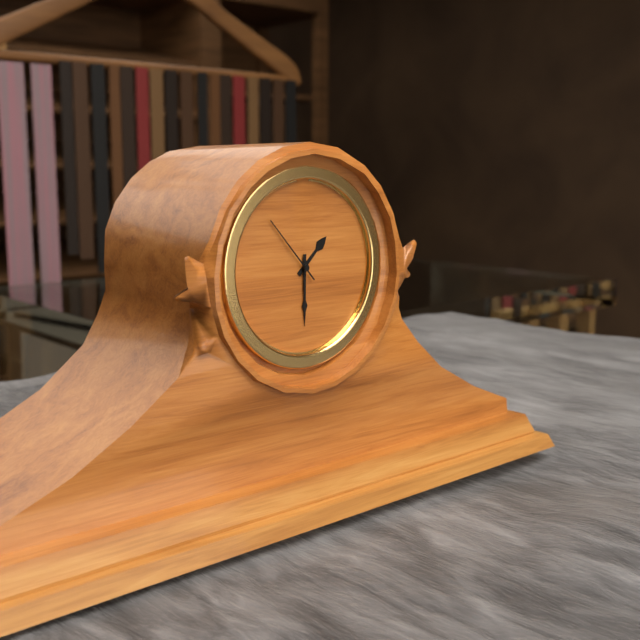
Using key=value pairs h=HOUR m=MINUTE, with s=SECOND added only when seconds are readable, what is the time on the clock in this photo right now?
h=1 m=30 s=53
